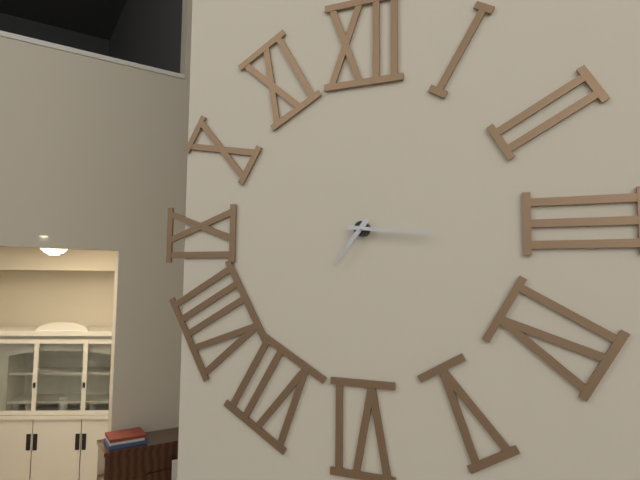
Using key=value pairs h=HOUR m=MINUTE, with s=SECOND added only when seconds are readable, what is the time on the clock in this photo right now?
h=7 m=16
